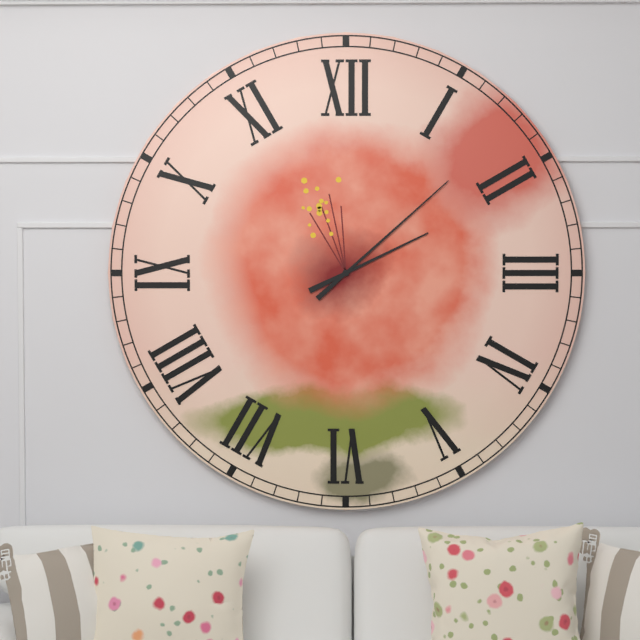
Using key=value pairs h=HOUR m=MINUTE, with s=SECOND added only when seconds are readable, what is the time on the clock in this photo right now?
h=2 m=8
